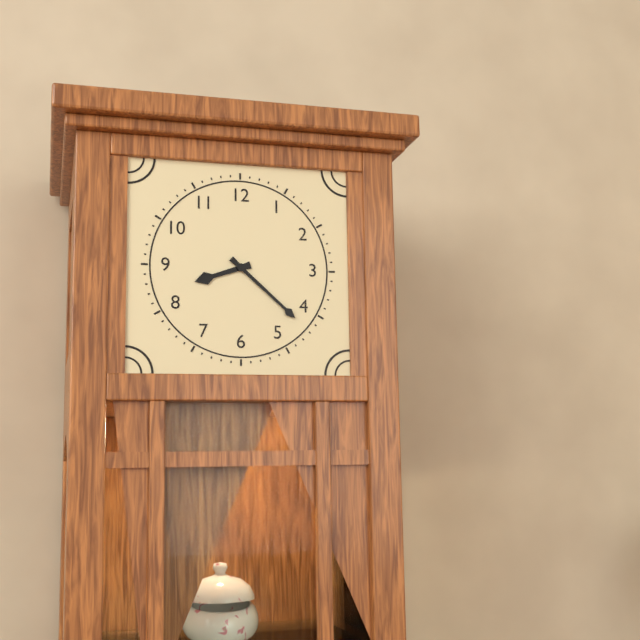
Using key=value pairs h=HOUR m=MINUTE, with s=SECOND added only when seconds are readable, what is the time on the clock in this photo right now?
h=8 m=22
